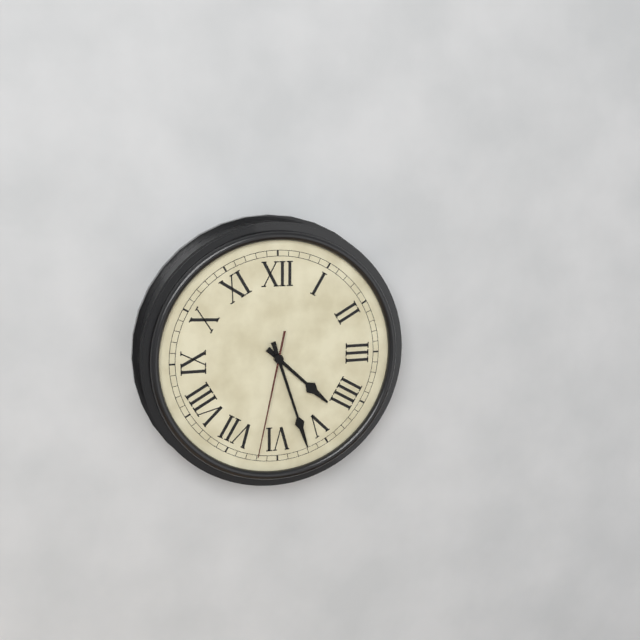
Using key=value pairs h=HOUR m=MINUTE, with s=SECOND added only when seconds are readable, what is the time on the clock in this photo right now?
h=4 m=27 s=32
